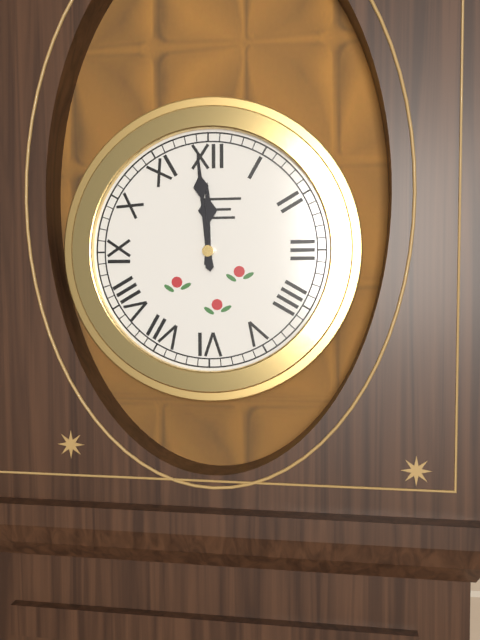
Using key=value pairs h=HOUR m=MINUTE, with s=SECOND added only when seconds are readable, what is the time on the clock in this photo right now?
h=11 m=59
